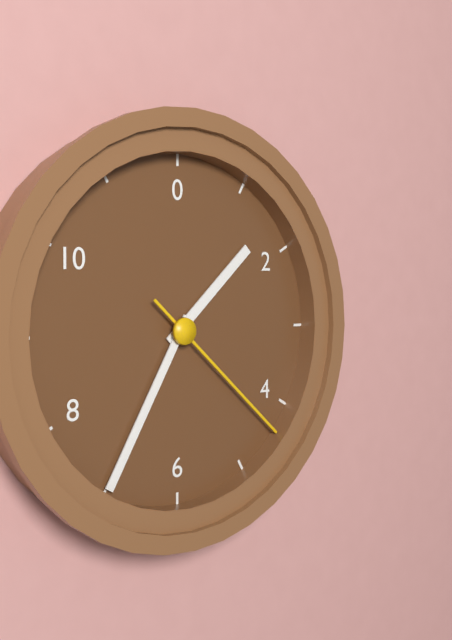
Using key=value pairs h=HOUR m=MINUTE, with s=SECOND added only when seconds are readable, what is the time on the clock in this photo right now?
h=1 m=35 s=22
